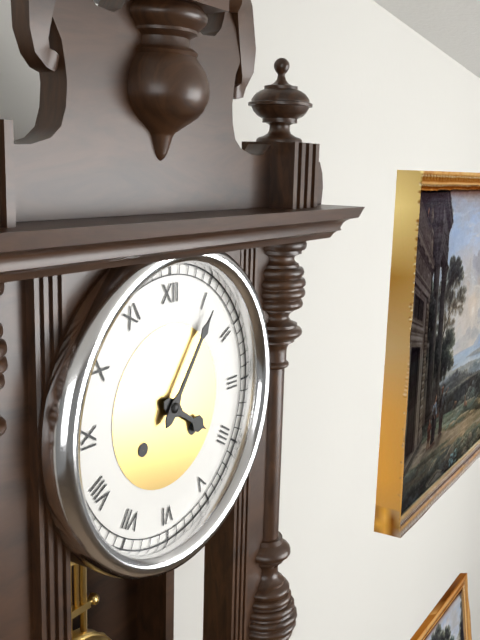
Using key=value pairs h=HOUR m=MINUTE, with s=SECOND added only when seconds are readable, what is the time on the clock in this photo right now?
h=4 m=6
